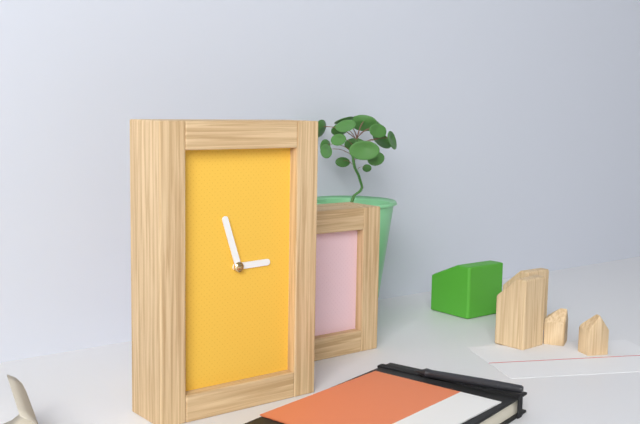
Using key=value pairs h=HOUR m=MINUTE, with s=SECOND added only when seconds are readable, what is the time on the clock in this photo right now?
h=2 m=57
